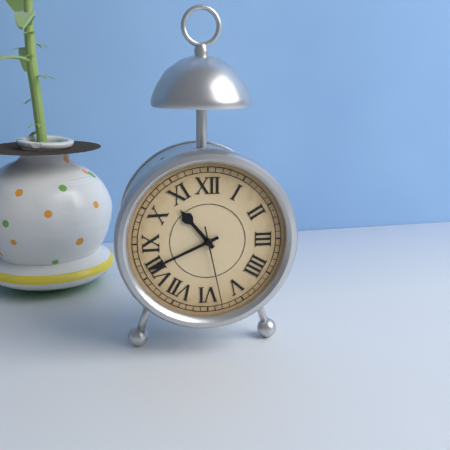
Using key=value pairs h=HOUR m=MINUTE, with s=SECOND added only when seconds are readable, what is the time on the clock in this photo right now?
h=10 m=41 s=28
